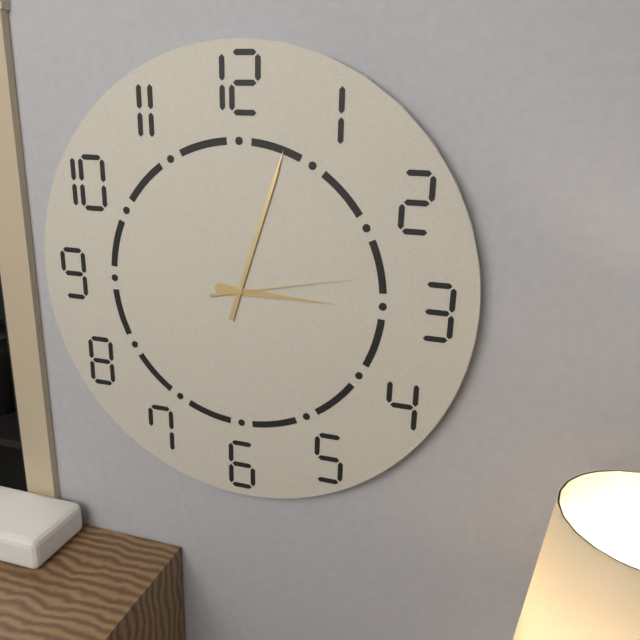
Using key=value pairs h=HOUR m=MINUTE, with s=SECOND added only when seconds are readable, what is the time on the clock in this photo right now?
h=3 m=3 s=13
